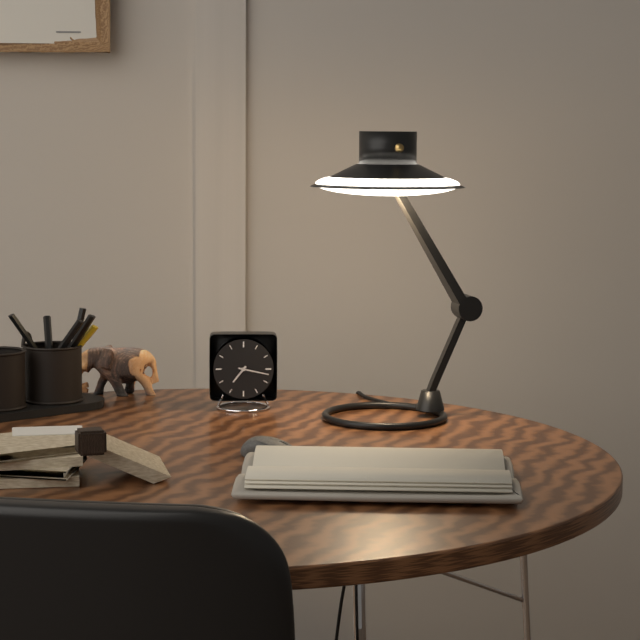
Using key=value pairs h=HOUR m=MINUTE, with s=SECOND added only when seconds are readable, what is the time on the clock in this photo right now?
h=7 m=17
